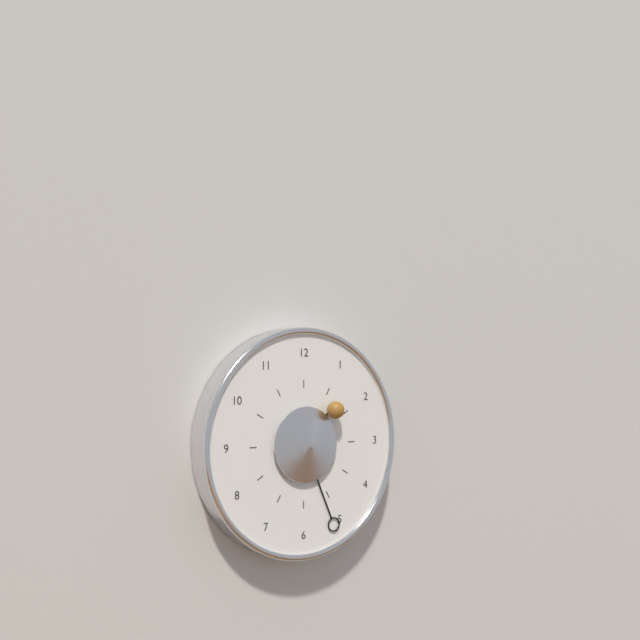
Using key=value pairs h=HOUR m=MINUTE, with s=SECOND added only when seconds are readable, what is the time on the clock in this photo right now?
h=1 m=26
